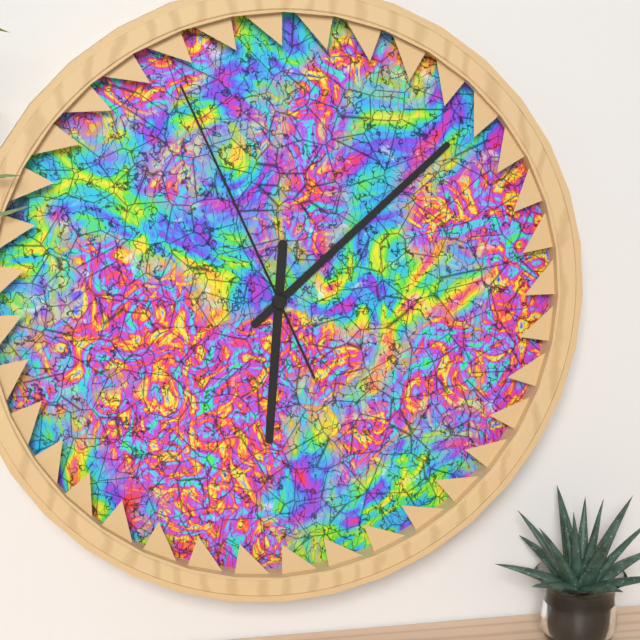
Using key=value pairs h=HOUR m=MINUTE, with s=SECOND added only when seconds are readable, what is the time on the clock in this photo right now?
h=6 m=8 s=56
